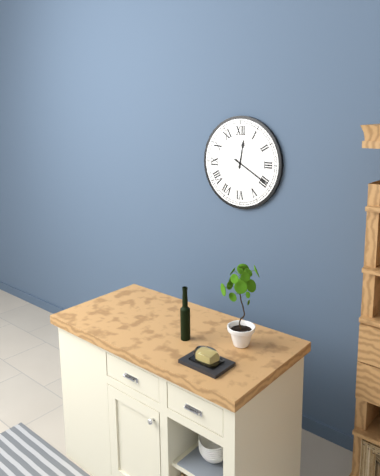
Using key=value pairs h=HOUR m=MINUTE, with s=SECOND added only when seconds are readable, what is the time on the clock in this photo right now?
h=12 m=20
